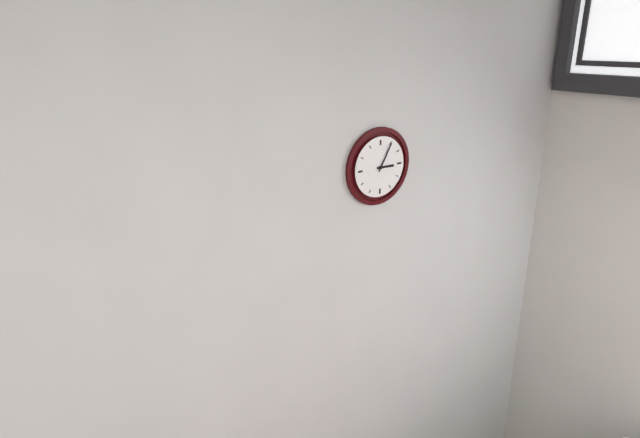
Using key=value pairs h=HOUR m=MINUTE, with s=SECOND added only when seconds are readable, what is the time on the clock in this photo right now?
h=3 m=5
